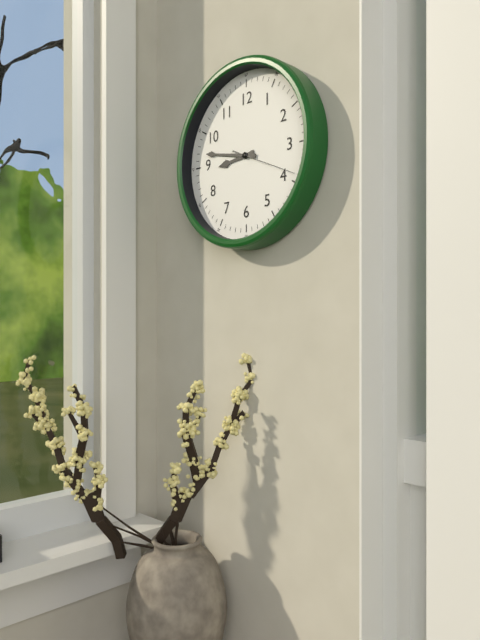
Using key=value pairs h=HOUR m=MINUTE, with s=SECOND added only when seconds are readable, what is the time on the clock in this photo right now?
h=8 m=47 s=19
